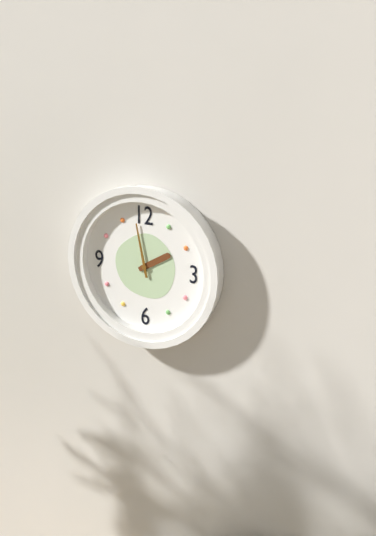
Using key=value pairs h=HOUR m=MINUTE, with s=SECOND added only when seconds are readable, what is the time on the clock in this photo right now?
h=1 m=58
